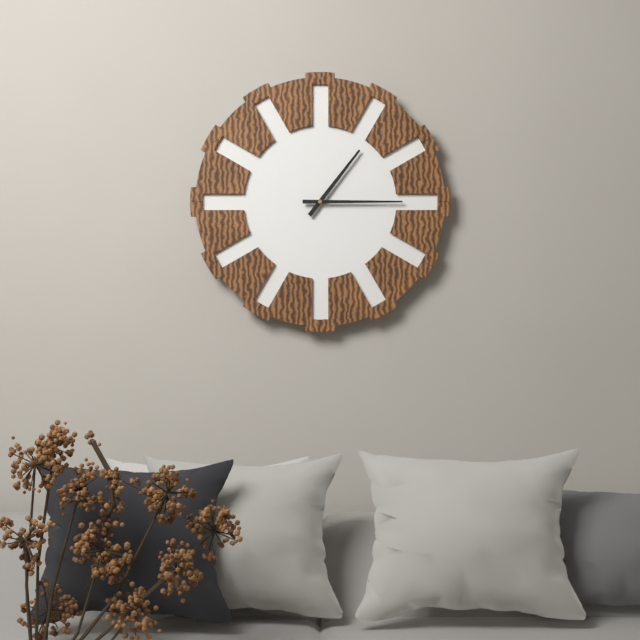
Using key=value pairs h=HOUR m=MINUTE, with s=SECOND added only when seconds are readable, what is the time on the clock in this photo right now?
h=1 m=15
